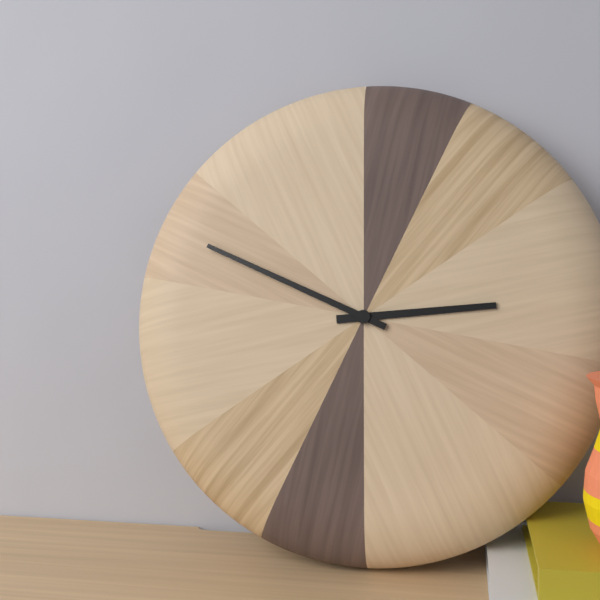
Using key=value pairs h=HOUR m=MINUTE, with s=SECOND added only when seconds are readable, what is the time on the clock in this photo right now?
h=2 m=49
